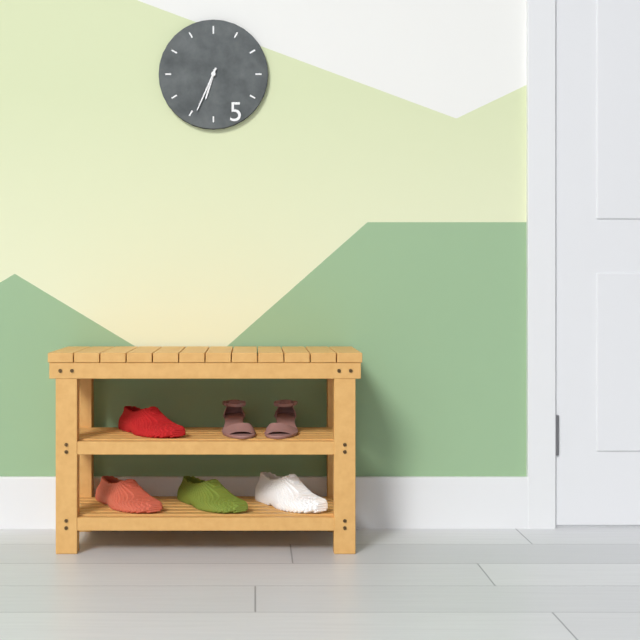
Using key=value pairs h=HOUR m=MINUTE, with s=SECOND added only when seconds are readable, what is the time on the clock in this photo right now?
h=6 m=34
